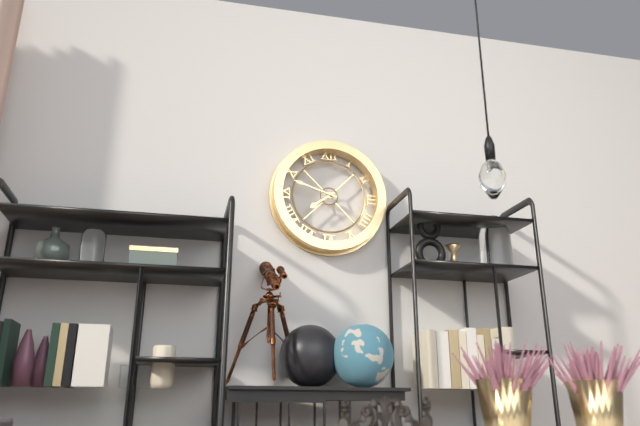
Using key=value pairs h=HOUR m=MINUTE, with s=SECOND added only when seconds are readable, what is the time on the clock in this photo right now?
h=7 m=48
